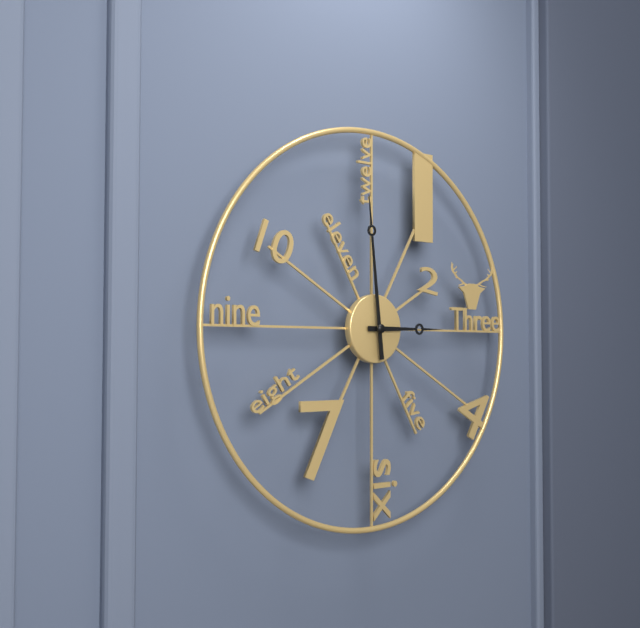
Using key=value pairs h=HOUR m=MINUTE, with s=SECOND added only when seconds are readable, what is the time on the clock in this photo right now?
h=2 m=59
